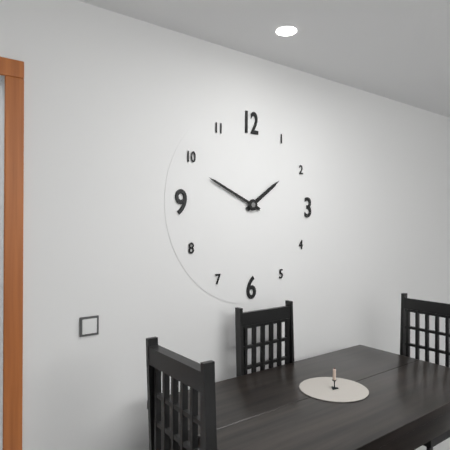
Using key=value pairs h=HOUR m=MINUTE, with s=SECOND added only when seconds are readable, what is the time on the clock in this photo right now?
h=1 m=49
